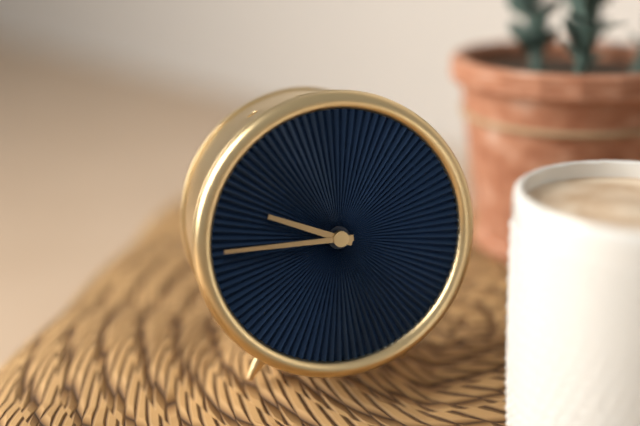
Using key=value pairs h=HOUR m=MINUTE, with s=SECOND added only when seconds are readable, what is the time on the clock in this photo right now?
h=9 m=45
